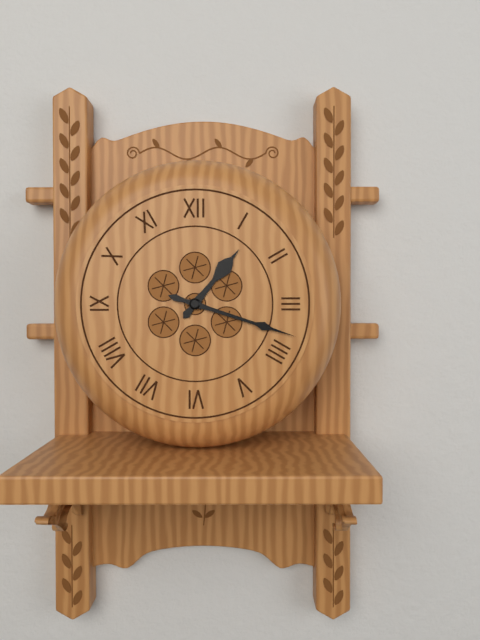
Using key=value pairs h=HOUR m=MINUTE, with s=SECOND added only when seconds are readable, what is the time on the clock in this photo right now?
h=1 m=18
